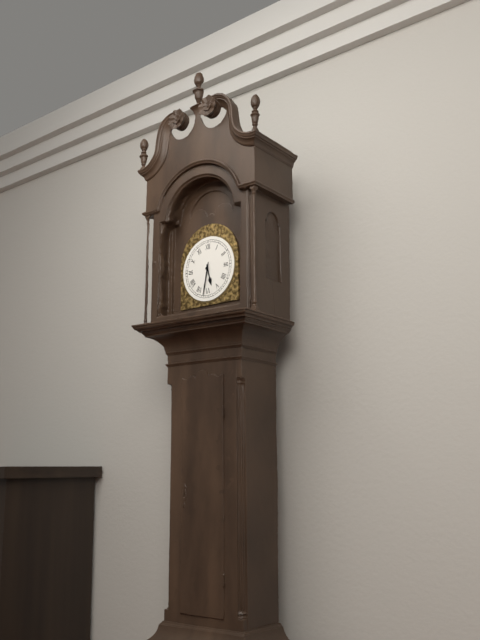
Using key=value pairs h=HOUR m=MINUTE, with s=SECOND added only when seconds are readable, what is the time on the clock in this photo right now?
h=5 m=32
